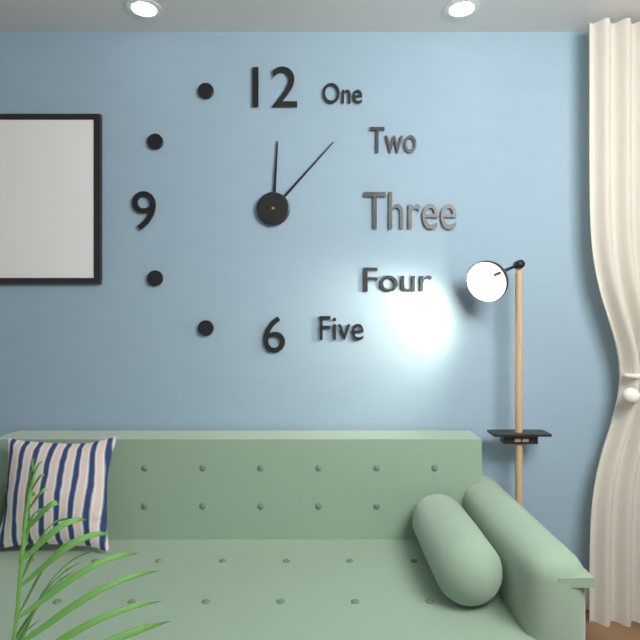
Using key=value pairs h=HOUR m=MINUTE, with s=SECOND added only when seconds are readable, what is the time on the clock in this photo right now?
h=12 m=7
